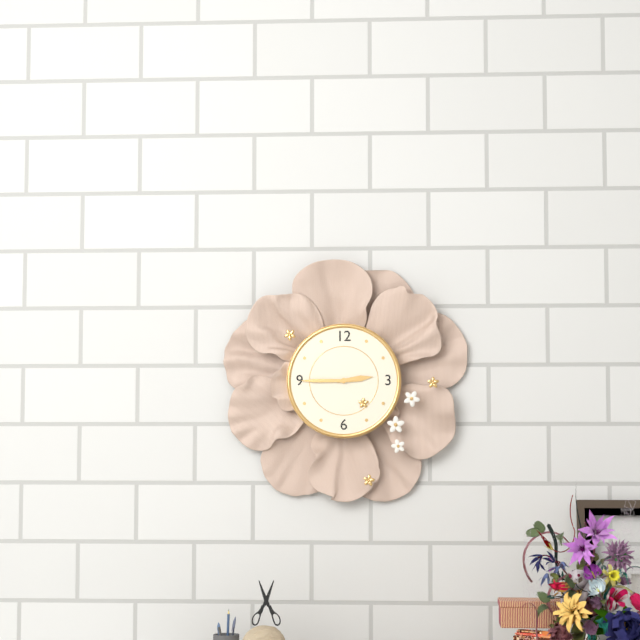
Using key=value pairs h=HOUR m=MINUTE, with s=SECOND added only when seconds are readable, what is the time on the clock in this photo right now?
h=2 m=45
